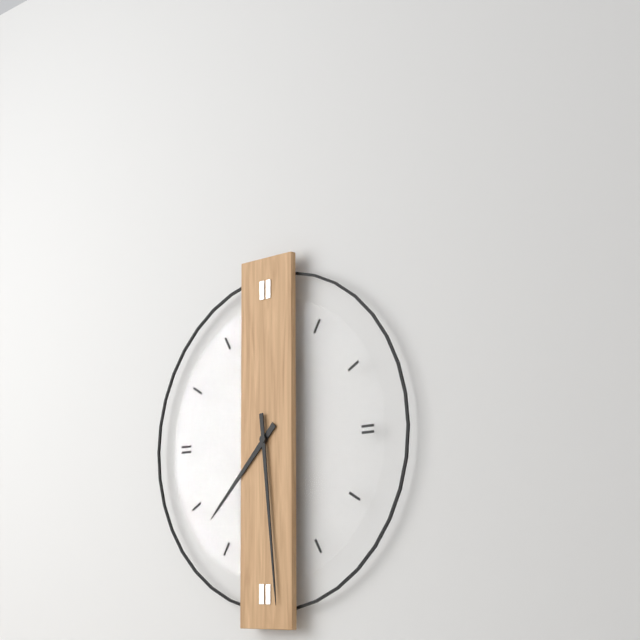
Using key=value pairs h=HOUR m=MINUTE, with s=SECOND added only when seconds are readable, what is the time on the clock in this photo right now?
h=7 m=29
